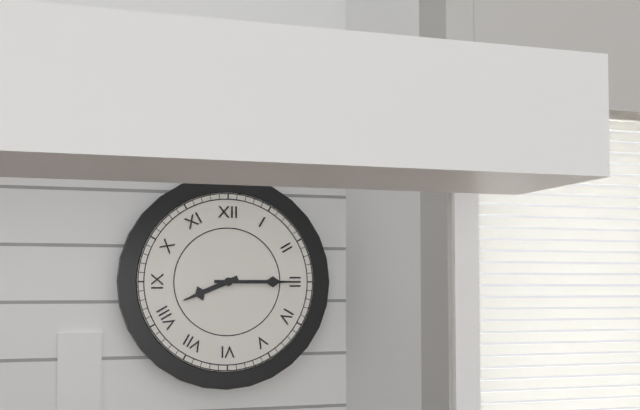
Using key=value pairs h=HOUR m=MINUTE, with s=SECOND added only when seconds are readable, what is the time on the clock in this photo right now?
h=8 m=15
